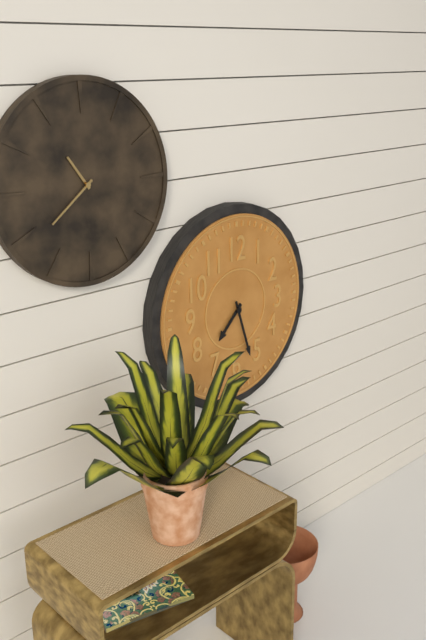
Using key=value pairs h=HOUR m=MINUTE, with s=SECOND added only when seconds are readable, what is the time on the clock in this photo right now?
h=7 m=27
